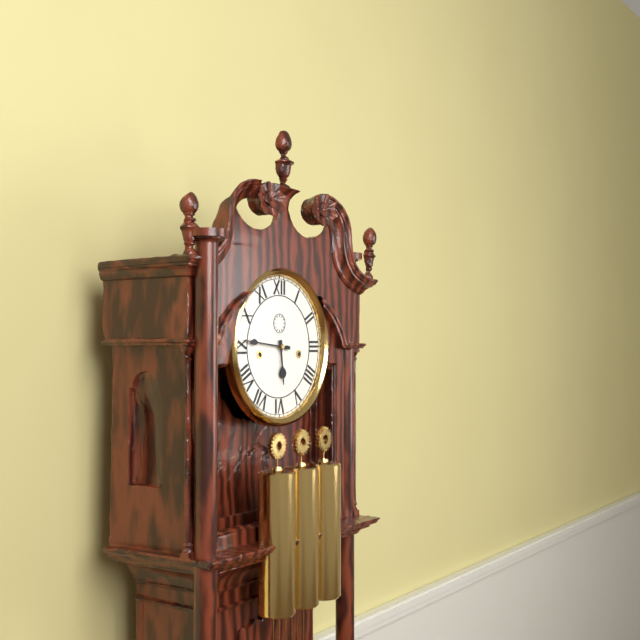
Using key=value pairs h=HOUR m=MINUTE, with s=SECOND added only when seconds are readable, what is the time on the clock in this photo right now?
h=5 m=46
